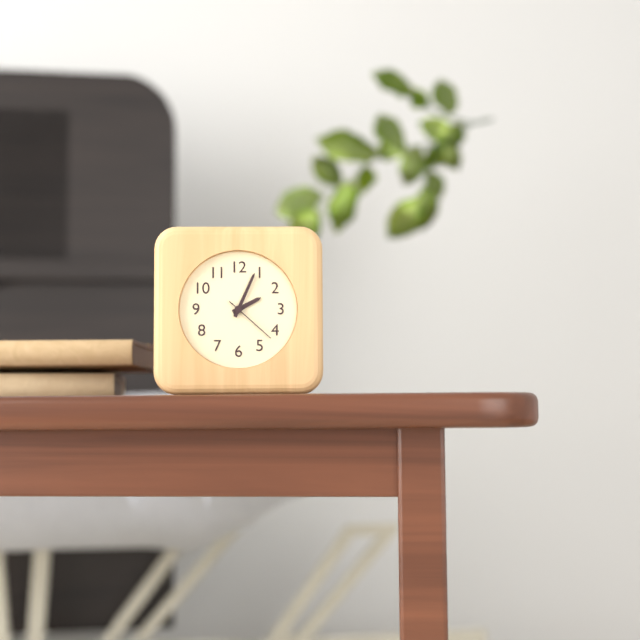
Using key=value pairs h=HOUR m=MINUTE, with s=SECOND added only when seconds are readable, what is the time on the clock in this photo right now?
h=2 m=4 s=22
